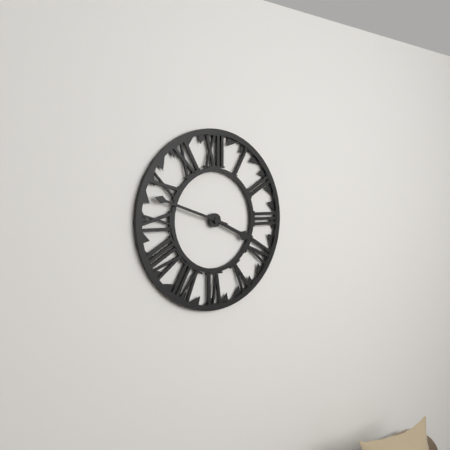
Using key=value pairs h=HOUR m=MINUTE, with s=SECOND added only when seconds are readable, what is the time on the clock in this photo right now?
h=3 m=48
